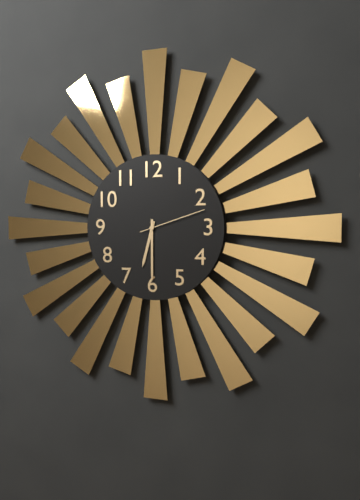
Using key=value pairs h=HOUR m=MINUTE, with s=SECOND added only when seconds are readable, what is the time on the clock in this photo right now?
h=6 m=30 s=12
